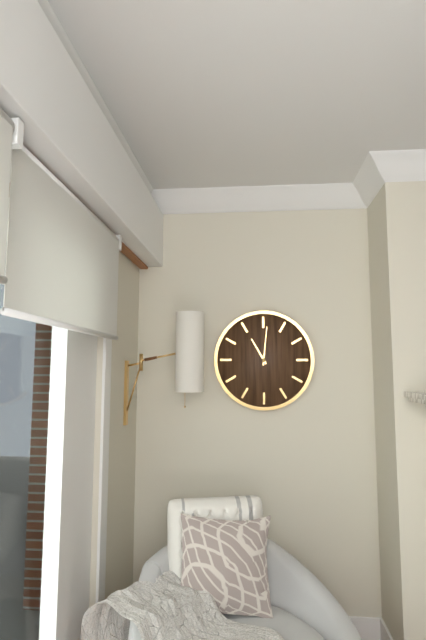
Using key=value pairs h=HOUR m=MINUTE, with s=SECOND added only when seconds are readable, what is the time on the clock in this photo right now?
h=11 m=1
